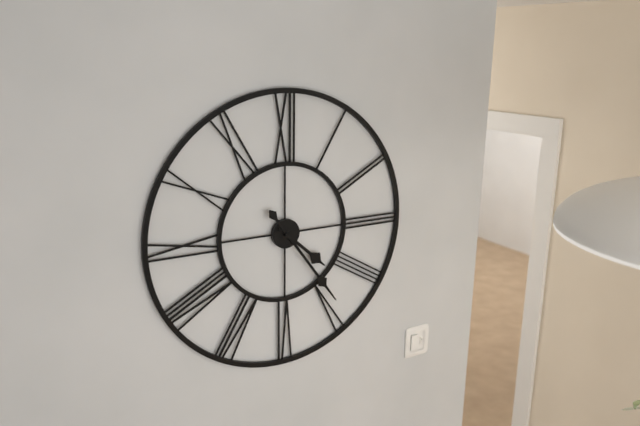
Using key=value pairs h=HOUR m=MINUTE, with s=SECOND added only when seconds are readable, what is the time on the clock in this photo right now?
h=4 m=24
